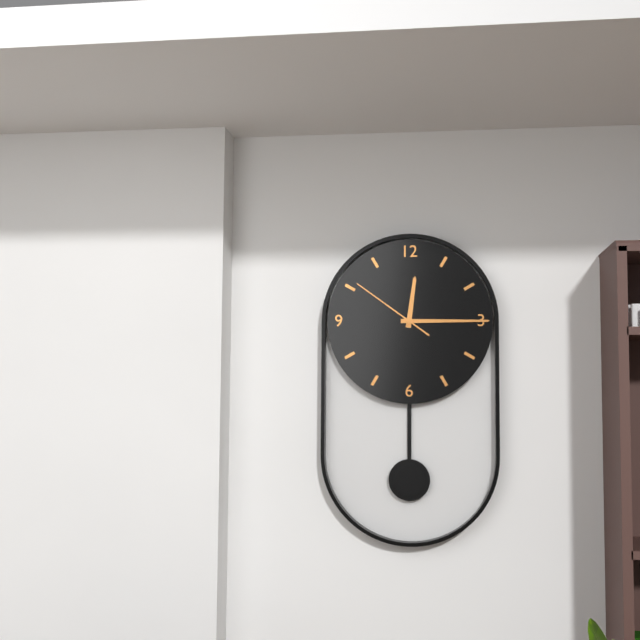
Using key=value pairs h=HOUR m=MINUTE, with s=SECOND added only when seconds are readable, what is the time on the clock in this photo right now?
h=12 m=15 s=51
